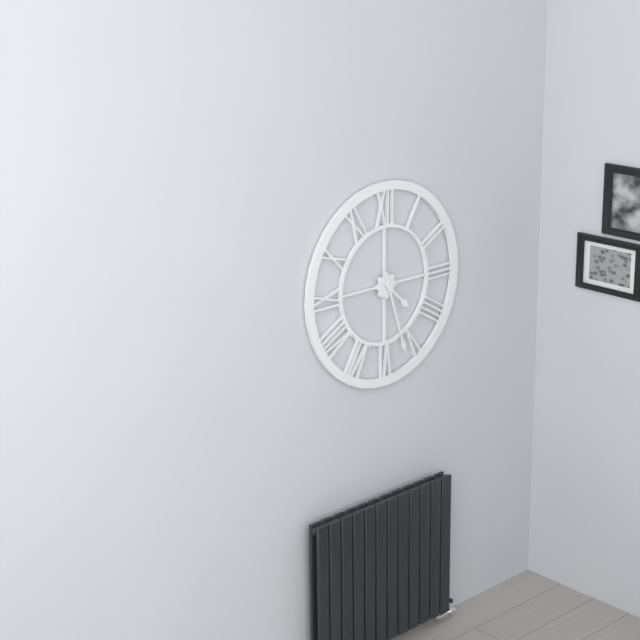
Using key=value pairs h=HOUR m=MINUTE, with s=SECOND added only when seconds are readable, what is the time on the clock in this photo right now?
h=4 m=27
